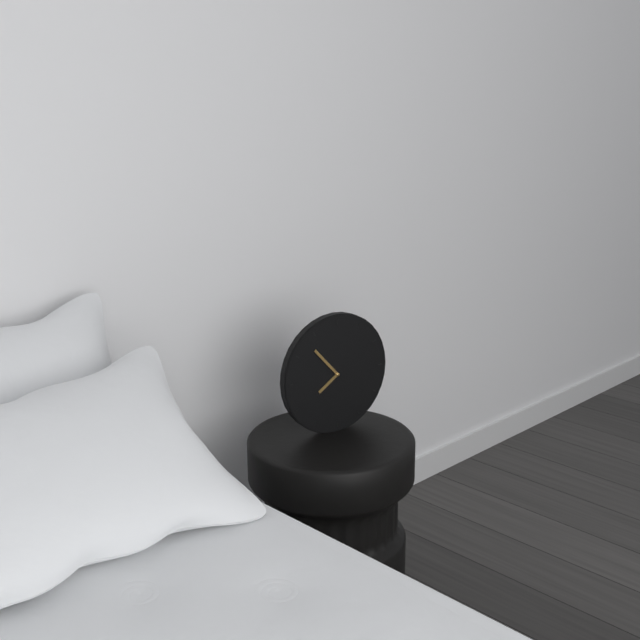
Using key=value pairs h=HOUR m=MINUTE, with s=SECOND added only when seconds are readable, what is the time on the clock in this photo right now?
h=7 m=53
